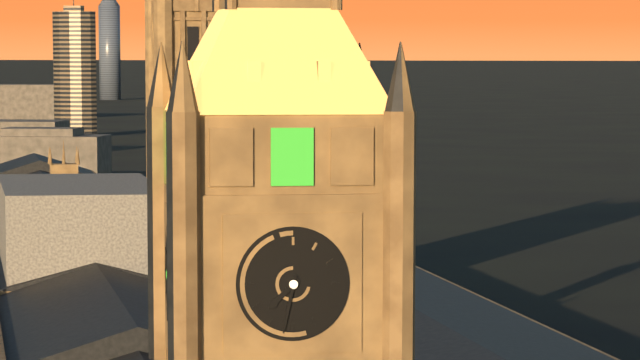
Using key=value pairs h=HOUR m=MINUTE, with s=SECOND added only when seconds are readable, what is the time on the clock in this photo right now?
h=7 m=32
